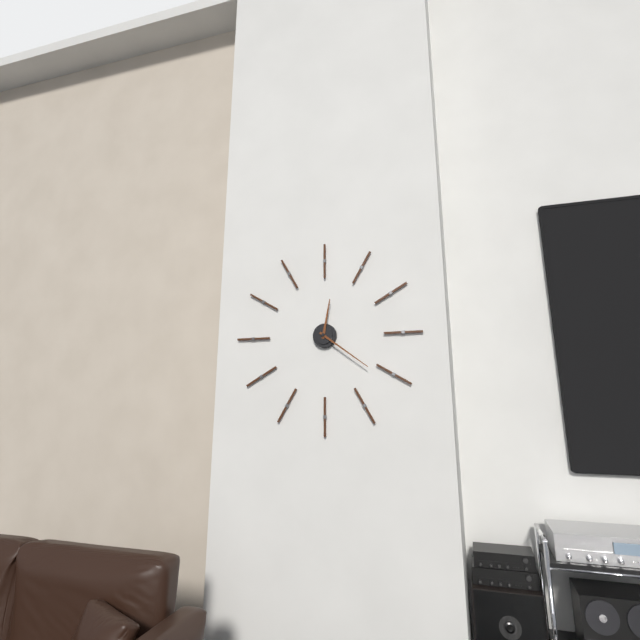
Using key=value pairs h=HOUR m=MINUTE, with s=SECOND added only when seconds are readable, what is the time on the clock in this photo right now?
h=12 m=21
